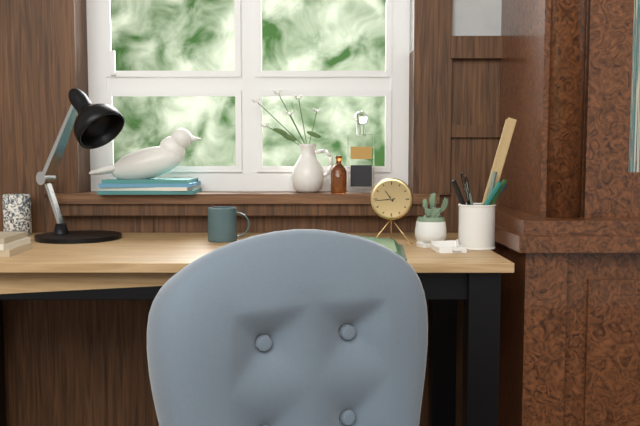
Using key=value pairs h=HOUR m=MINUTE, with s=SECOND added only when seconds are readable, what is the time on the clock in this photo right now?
h=10 m=44
